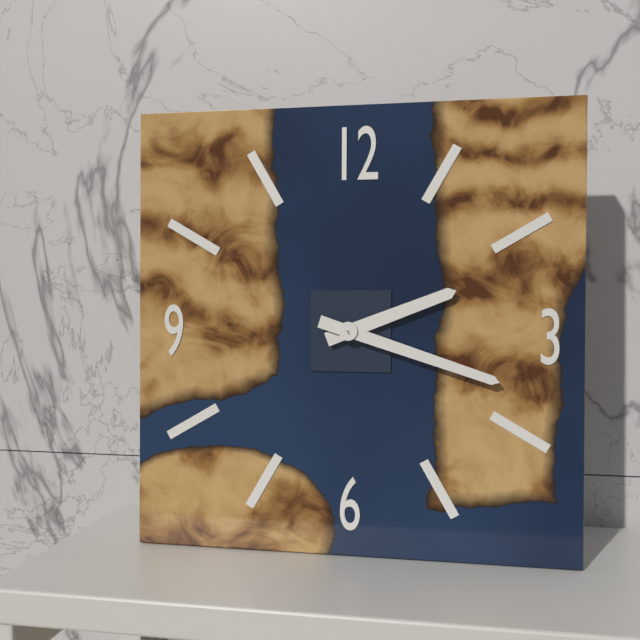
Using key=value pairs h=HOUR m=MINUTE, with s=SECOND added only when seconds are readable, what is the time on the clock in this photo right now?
h=2 m=18
